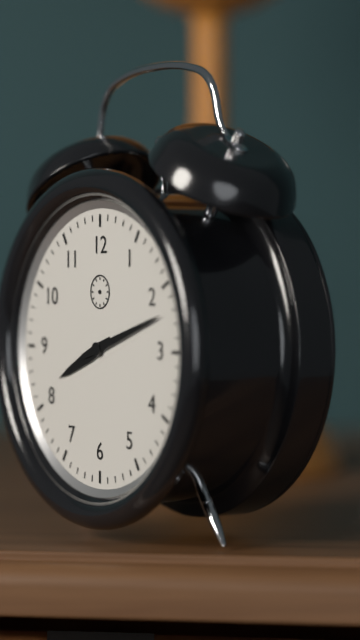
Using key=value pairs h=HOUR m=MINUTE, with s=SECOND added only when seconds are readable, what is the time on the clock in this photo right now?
h=8 m=12
